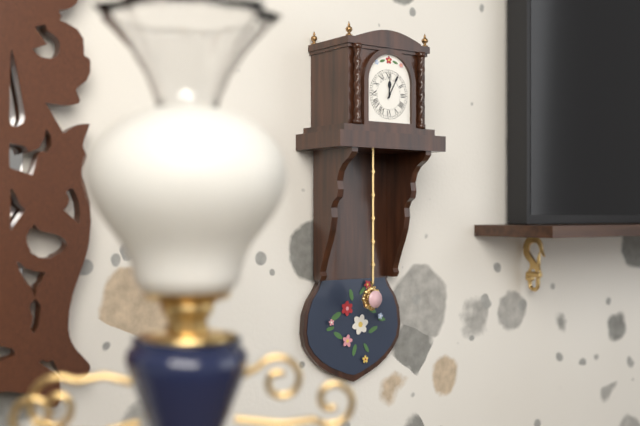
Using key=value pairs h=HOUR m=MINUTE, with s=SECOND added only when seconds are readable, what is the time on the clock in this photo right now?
h=12 m=5
